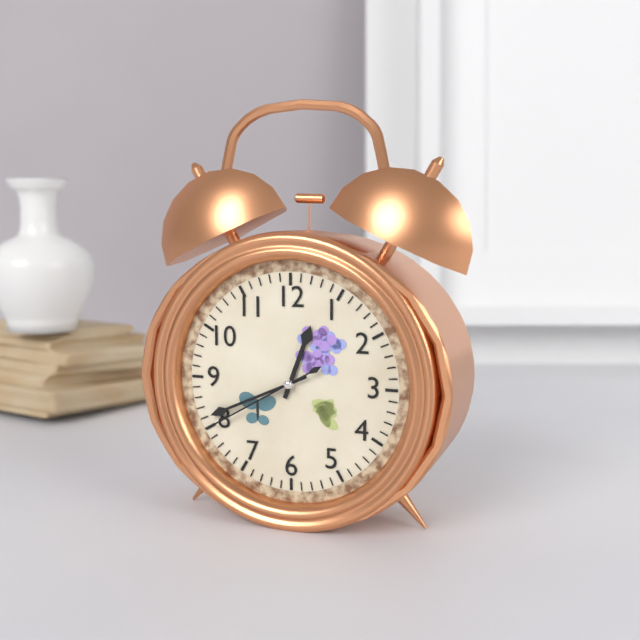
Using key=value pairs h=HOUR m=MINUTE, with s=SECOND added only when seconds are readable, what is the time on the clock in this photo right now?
h=12 m=41 s=40
